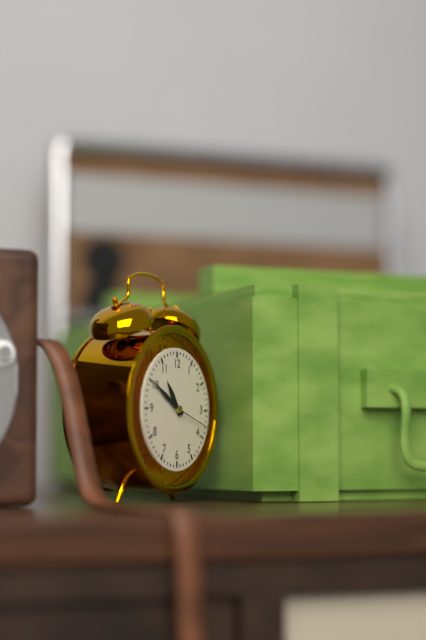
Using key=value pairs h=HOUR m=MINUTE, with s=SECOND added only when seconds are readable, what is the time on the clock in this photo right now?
h=10 m=50
